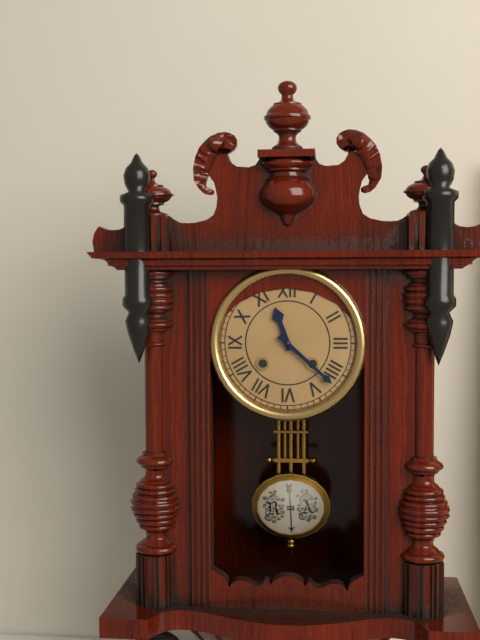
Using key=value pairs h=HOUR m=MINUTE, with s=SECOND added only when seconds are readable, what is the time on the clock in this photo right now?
h=11 m=22
